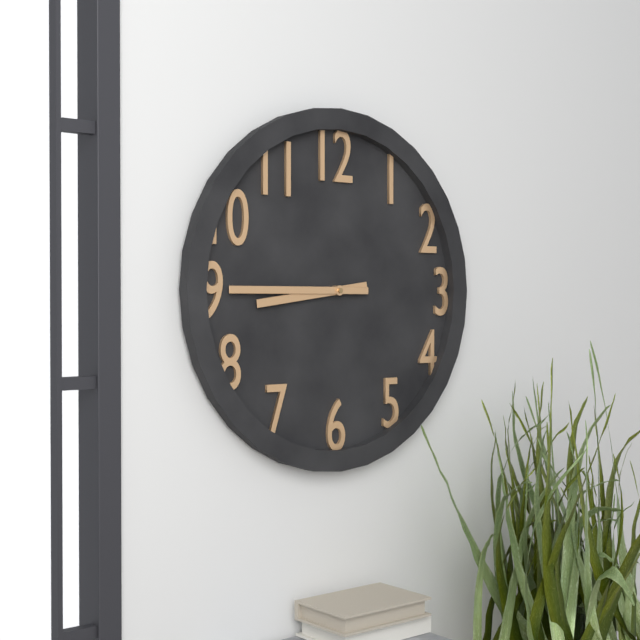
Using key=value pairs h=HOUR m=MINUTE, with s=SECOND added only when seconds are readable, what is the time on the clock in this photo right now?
h=8 m=45
